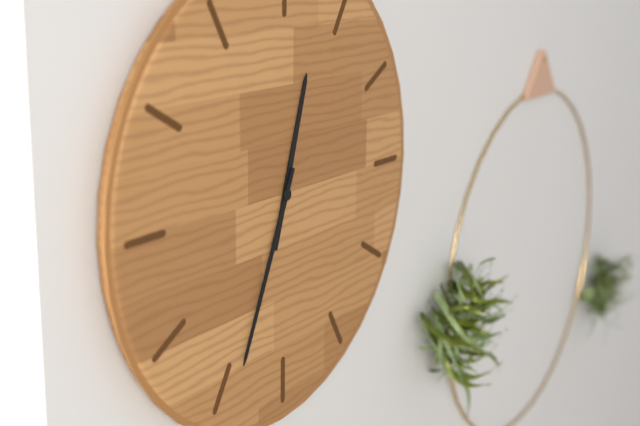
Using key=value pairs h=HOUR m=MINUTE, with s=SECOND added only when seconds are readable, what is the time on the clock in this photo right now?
h=12 m=34
